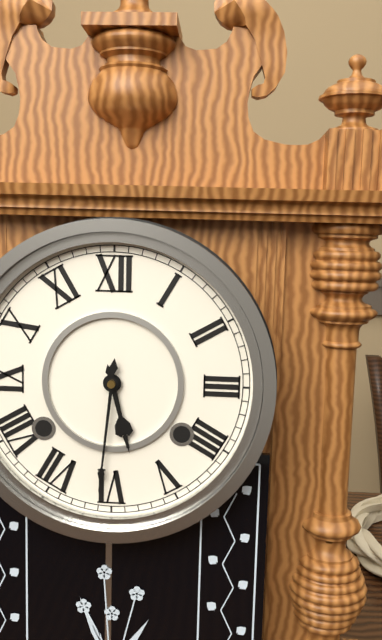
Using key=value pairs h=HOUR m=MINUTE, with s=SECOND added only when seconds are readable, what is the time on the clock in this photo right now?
h=5 m=31
